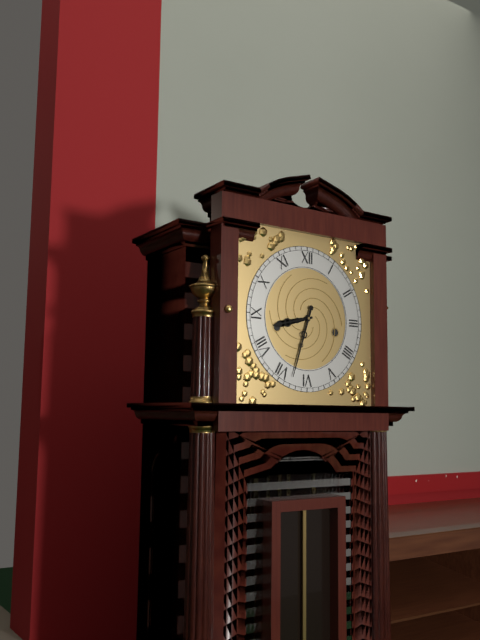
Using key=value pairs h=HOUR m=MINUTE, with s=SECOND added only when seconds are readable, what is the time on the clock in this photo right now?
h=8 m=33
